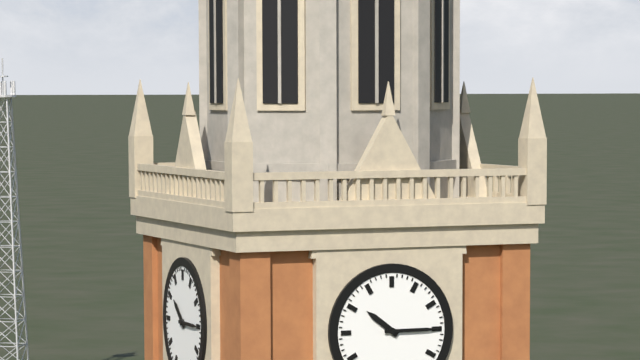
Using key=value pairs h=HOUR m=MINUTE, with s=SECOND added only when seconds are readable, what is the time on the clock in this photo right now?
h=10 m=15
